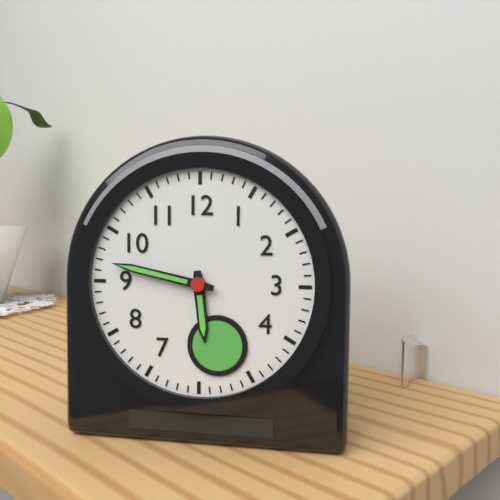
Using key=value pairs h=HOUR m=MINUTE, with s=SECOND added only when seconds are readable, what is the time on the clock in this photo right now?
h=5 m=47
